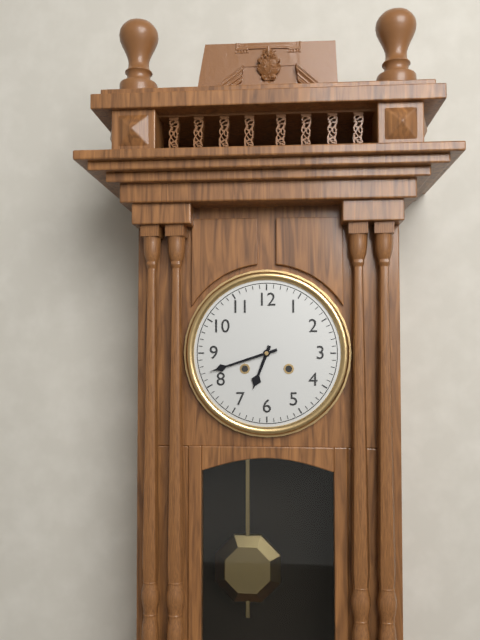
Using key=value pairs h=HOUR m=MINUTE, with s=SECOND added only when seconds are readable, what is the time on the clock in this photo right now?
h=6 m=42
